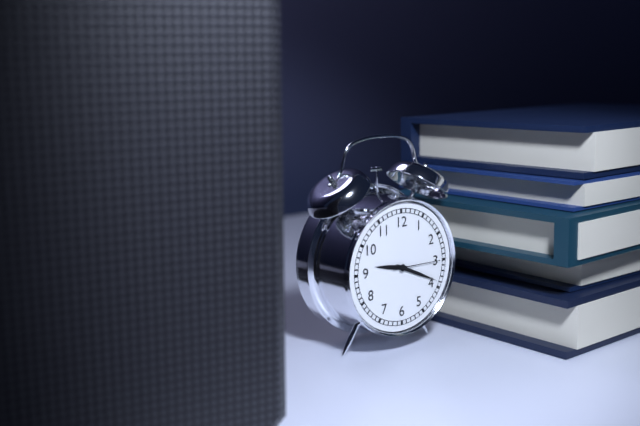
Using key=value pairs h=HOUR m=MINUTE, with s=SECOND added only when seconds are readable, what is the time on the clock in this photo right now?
h=9 m=19
